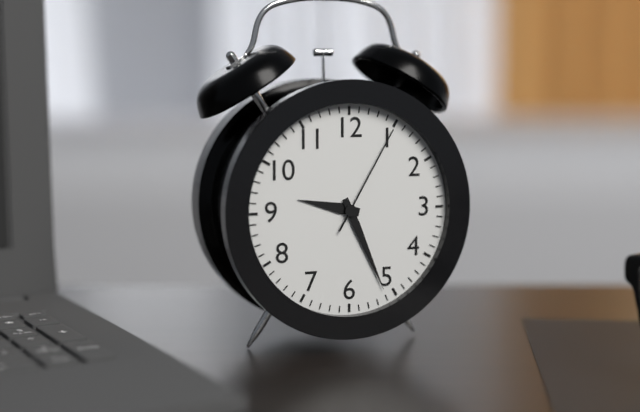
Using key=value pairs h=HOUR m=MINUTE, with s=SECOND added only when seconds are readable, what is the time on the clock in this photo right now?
h=9 m=26 s=5
